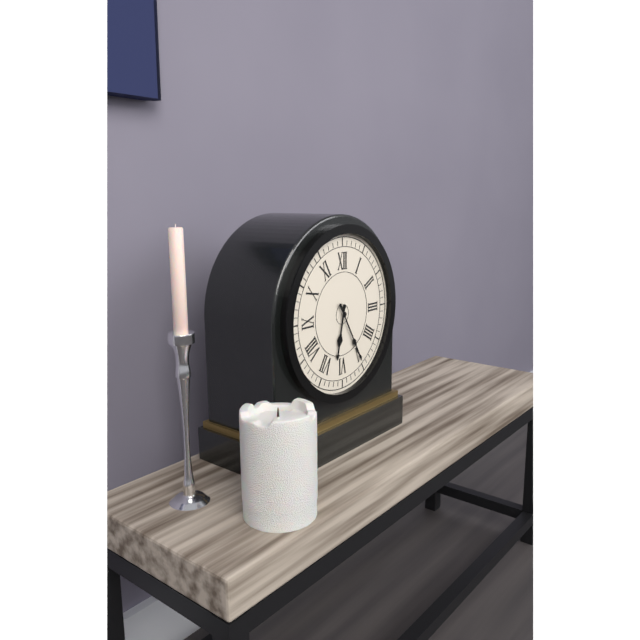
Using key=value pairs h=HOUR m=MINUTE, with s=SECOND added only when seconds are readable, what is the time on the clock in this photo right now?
h=6 m=25
